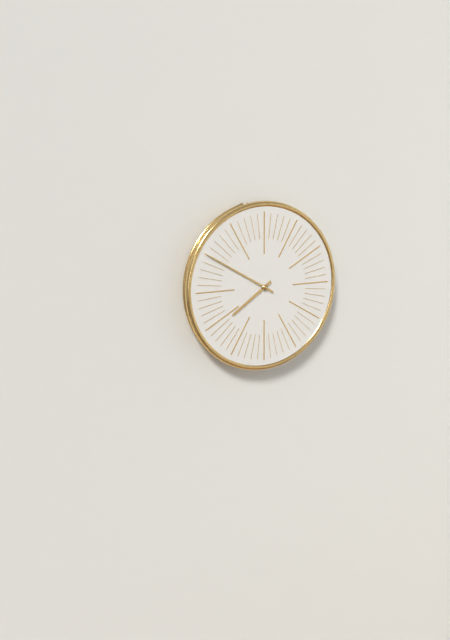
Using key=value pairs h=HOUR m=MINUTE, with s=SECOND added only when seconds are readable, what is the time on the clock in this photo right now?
h=7 m=50
